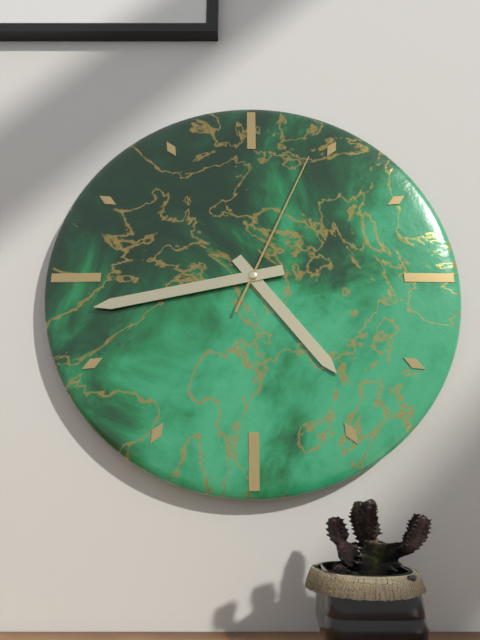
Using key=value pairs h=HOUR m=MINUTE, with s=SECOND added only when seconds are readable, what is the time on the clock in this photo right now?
h=4 m=43 s=4
